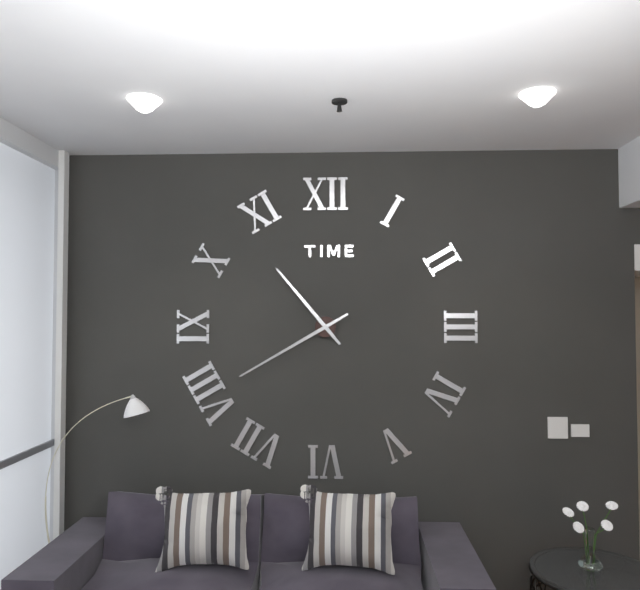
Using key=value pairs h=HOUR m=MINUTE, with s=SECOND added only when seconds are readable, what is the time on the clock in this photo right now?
h=10 m=40
